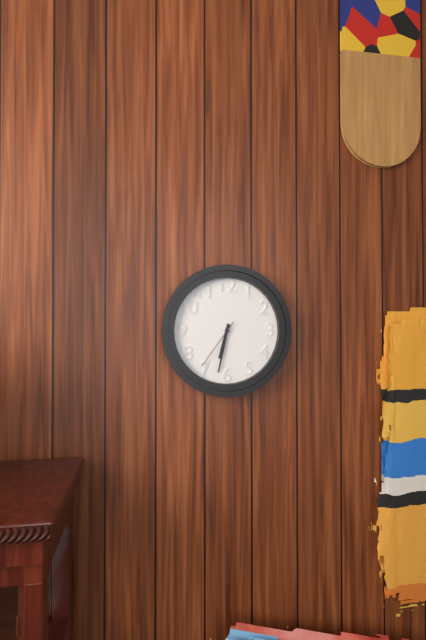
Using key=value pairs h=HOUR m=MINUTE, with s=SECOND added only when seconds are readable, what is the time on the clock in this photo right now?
h=6 m=32 s=36
